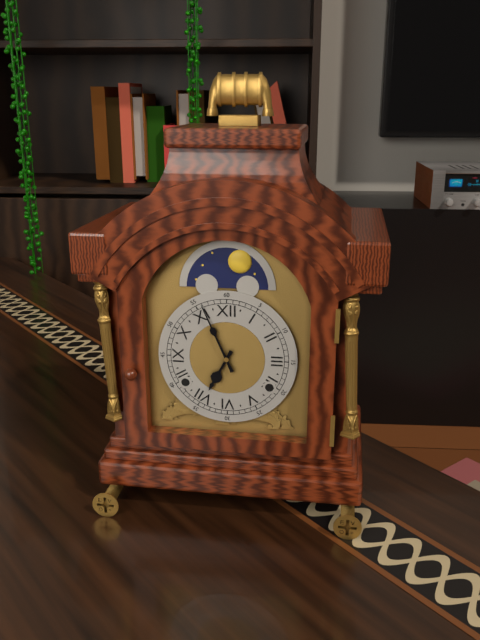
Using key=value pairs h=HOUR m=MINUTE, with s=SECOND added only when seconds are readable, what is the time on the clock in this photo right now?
h=6 m=56
